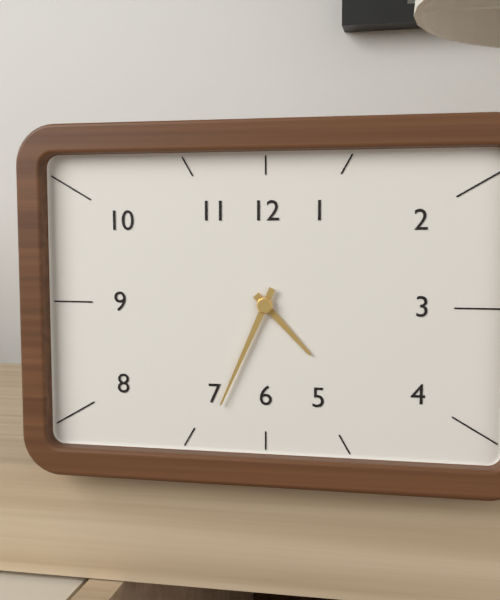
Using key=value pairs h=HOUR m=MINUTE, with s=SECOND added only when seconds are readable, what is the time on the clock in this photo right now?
h=4 m=34
